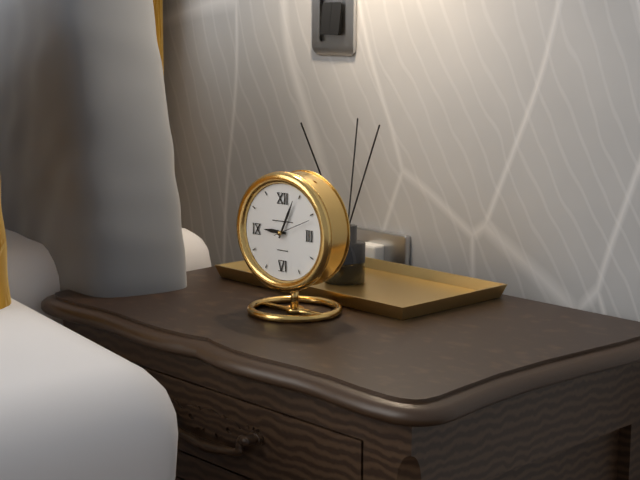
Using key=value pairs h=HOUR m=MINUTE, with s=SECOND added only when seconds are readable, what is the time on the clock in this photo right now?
h=9 m=4
